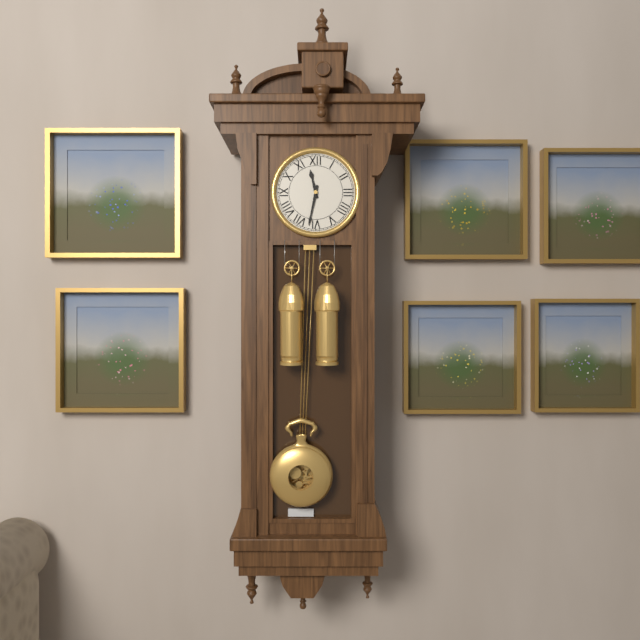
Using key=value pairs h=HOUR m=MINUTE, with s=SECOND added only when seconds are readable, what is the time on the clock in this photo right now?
h=11 m=32
